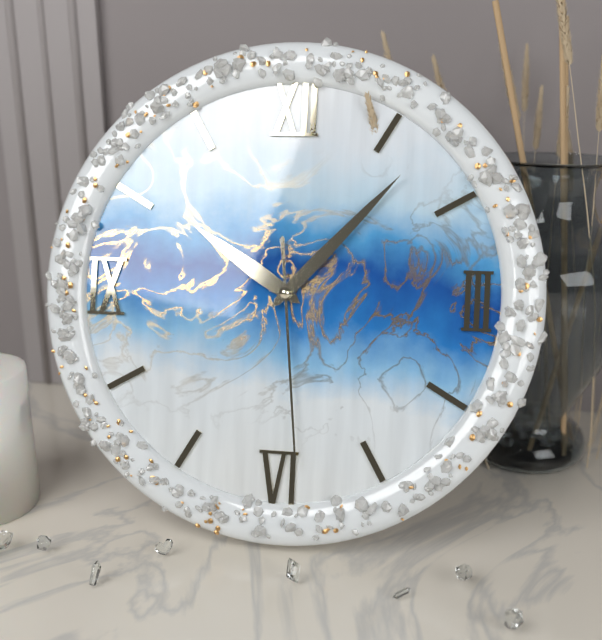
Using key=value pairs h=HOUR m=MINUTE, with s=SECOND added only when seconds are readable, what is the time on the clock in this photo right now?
h=10 m=7 s=29
